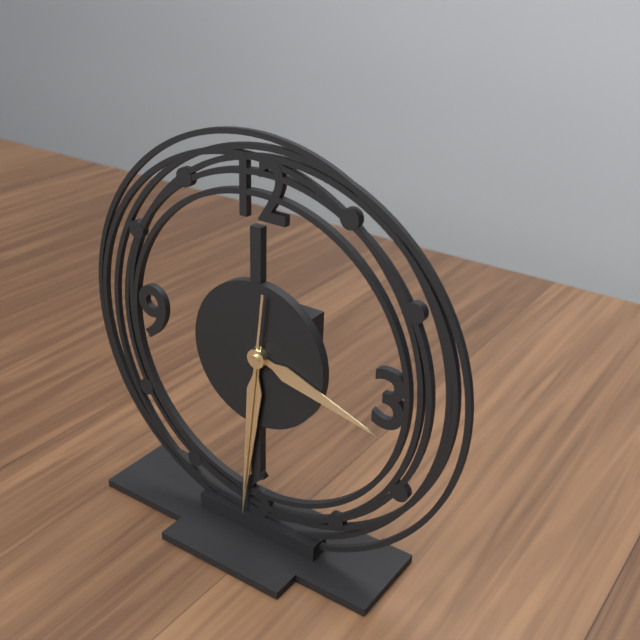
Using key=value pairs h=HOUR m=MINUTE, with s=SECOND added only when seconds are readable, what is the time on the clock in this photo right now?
h=3 m=31 s=31
